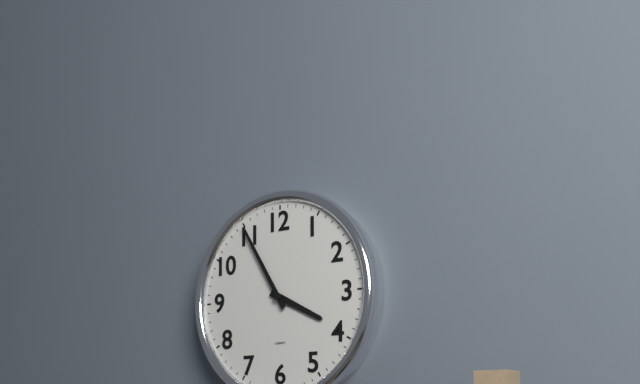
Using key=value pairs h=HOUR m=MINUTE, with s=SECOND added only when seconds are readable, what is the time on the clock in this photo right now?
h=3 m=55
